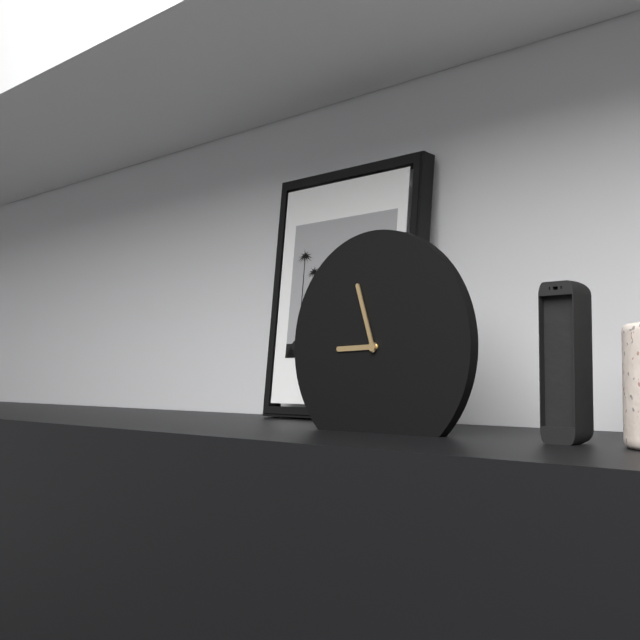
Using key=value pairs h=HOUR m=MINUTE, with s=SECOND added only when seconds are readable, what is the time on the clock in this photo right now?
h=8 m=57
